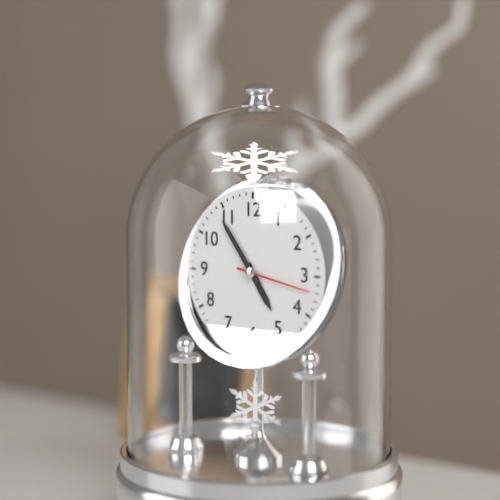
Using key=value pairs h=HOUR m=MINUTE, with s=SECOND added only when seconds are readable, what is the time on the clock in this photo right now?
h=4 m=54 s=17
